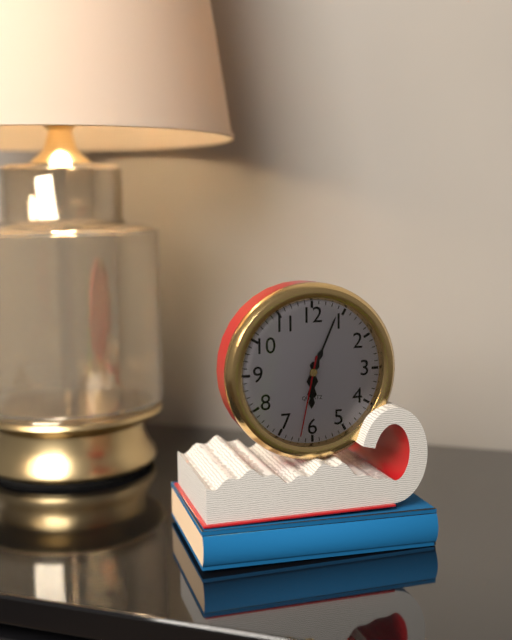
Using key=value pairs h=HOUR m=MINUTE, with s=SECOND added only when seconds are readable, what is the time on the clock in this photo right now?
h=6 m=4 s=32
